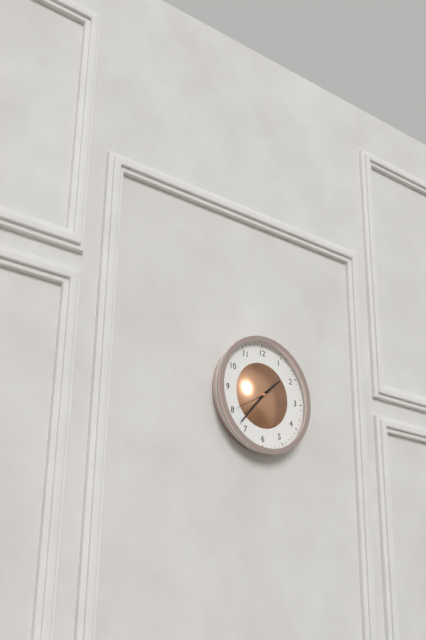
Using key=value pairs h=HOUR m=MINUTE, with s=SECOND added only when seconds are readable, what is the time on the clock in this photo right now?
h=1 m=37
